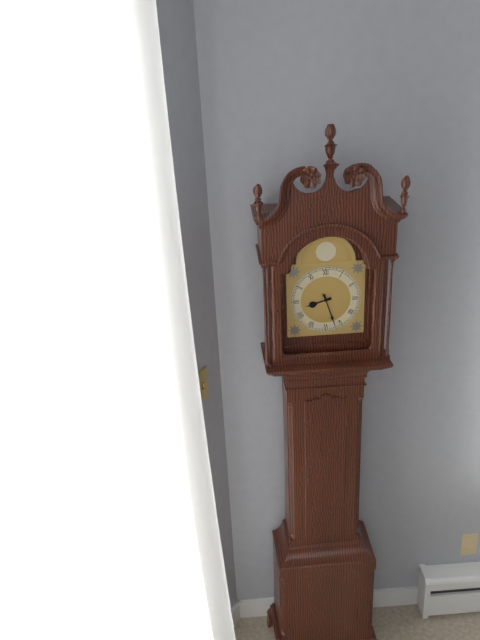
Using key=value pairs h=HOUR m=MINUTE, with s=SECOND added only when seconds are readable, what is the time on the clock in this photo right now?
h=8 m=27
